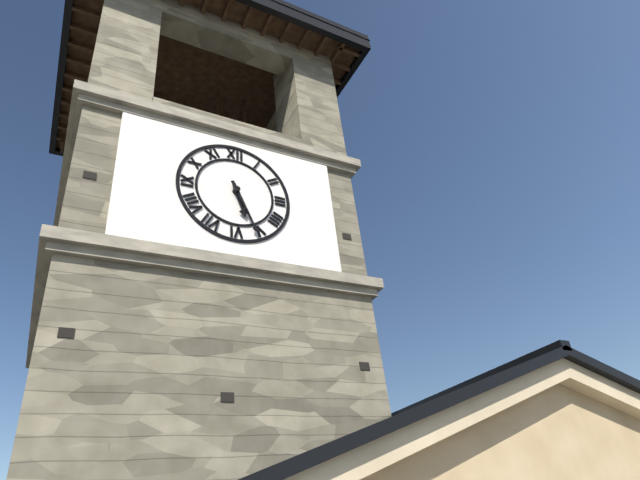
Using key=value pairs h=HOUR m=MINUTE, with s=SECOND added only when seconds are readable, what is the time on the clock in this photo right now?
h=5 m=26
